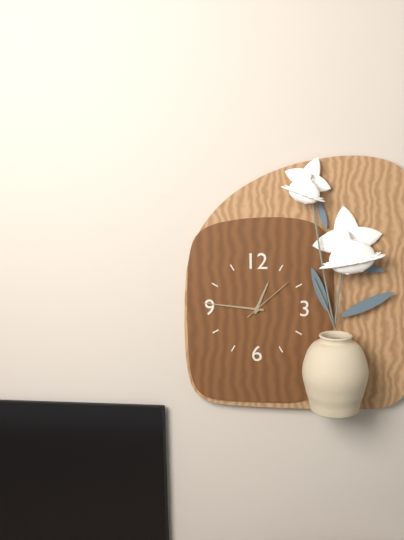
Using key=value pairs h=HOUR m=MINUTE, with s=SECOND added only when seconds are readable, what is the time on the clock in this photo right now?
h=12 m=46 s=8
